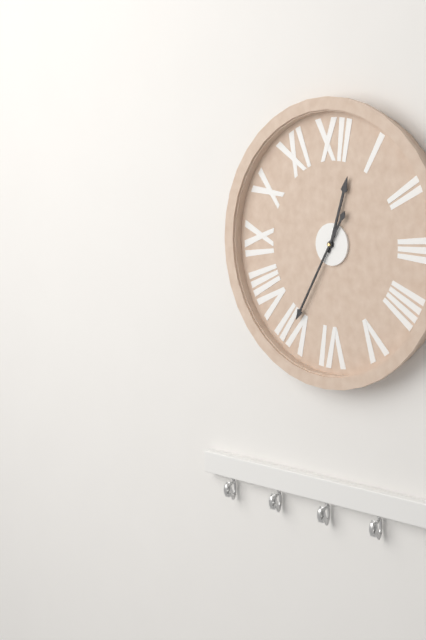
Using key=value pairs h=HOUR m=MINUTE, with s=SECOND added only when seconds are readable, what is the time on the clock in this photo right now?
h=12 m=35
